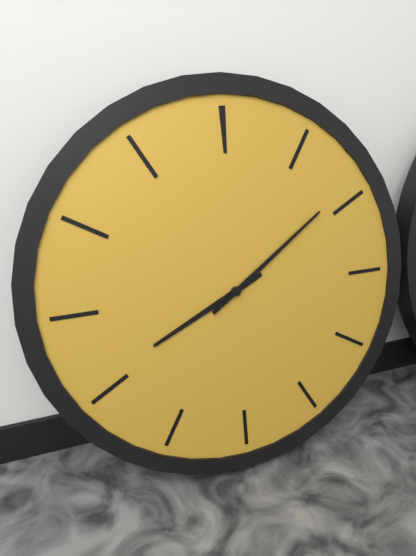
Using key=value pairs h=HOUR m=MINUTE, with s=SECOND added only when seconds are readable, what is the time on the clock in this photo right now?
h=8 m=9
